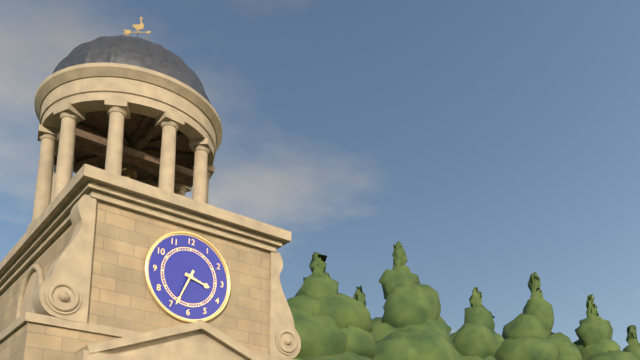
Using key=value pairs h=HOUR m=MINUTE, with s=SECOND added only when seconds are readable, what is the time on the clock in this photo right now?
h=3 m=34
